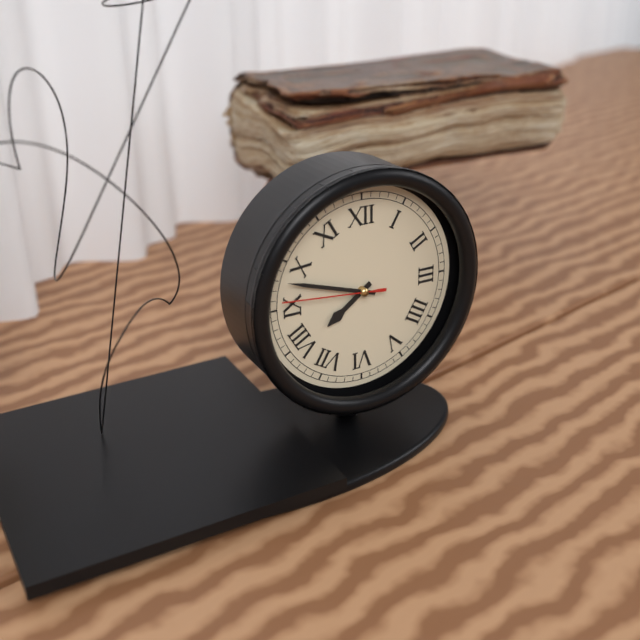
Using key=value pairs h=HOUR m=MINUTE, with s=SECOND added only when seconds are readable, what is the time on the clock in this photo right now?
h=7 m=48 s=46
